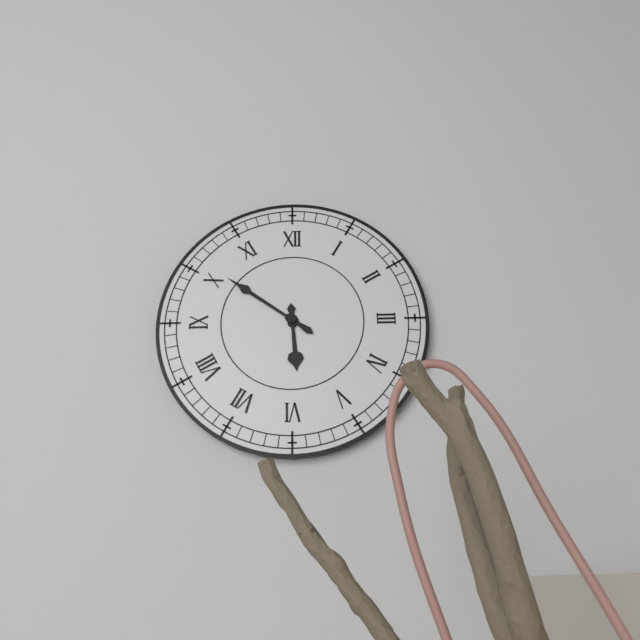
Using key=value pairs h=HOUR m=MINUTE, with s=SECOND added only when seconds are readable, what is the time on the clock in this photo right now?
h=5 m=51
